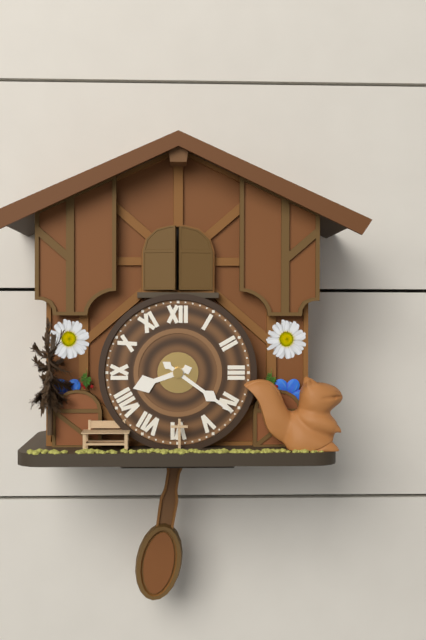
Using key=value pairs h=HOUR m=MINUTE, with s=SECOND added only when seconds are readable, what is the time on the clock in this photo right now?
h=8 m=21
